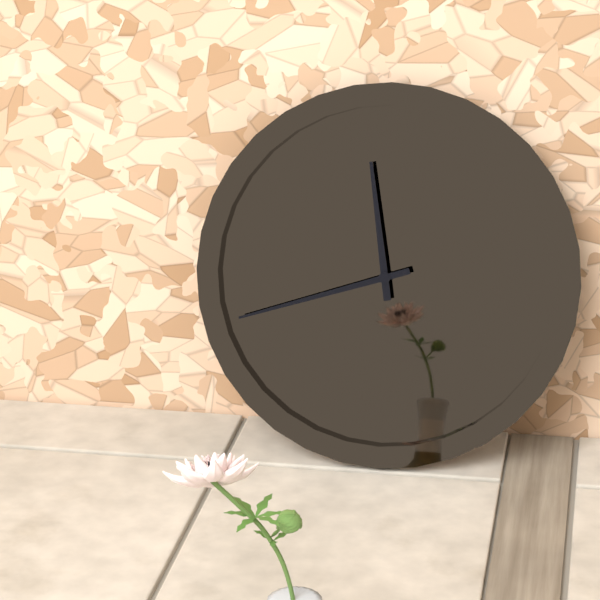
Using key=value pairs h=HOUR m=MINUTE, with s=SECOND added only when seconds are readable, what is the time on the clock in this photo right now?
h=11 m=42
